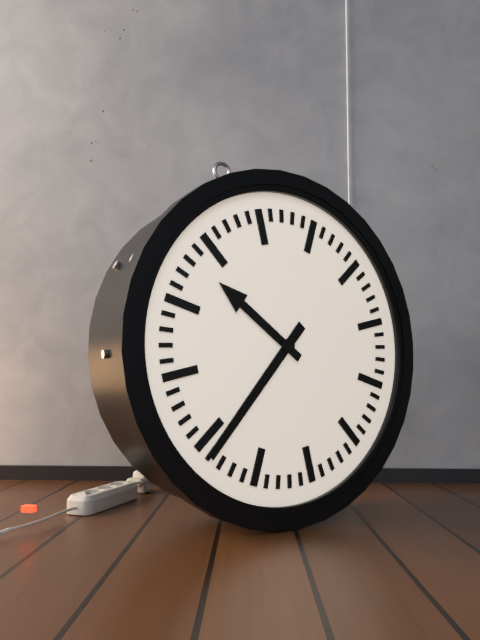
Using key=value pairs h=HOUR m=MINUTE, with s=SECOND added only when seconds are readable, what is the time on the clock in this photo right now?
h=10 m=39
